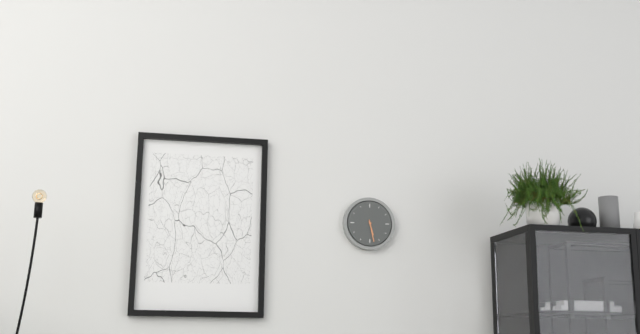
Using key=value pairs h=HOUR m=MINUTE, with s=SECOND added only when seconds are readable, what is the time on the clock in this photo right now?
h=5 m=28
